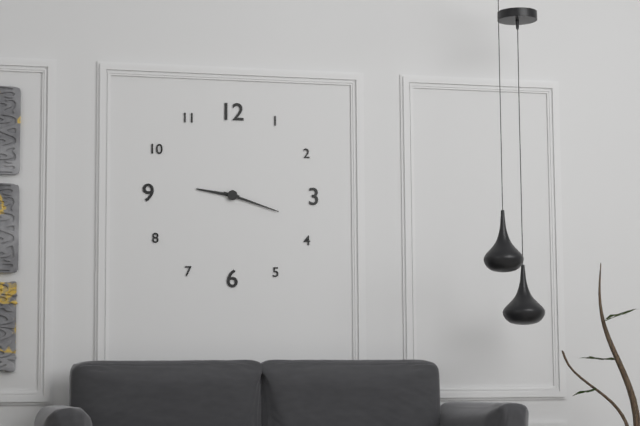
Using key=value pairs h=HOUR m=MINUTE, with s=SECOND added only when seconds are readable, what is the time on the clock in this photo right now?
h=9 m=18
